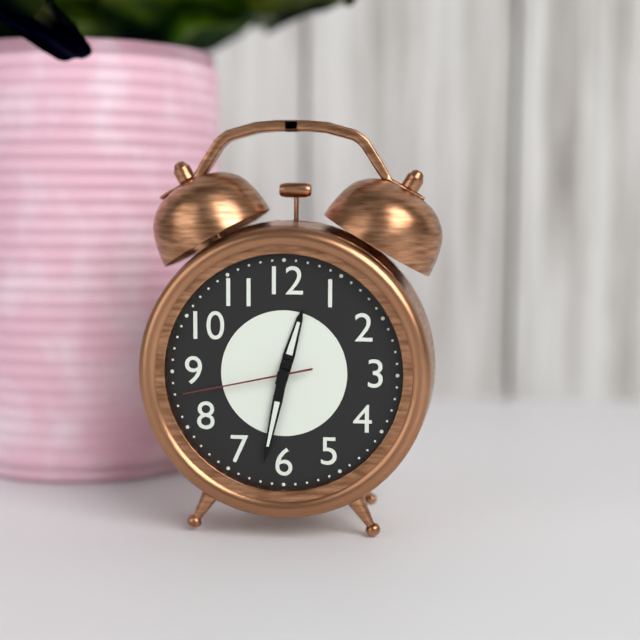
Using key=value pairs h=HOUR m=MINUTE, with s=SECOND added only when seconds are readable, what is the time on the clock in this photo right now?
h=12 m=32 s=43
